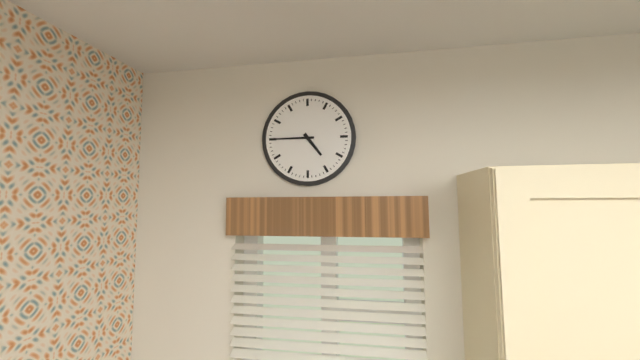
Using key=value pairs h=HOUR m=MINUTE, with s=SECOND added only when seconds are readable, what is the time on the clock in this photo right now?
h=4 m=45
